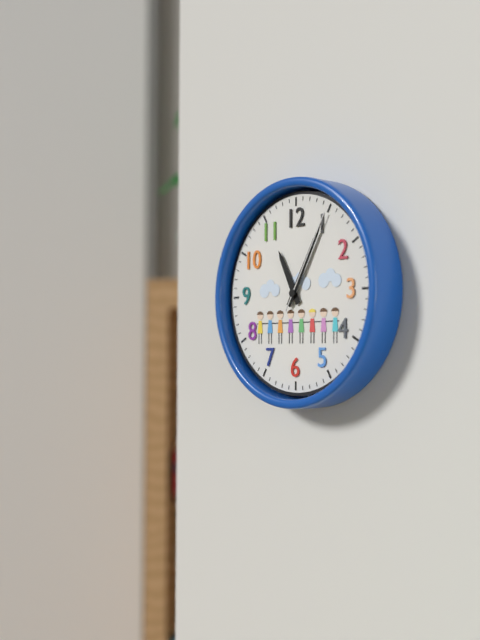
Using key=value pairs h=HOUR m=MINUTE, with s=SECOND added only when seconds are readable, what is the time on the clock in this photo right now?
h=11 m=5 s=5
